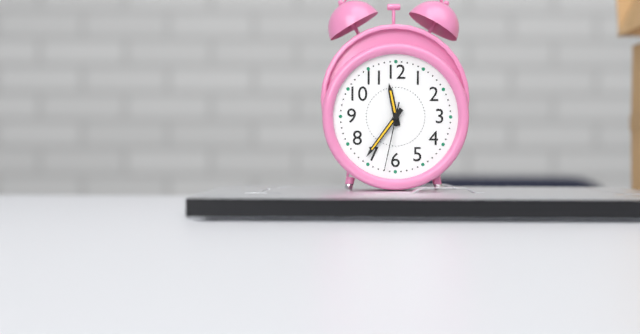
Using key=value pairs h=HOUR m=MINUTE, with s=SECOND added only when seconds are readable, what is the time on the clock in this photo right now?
h=11 m=36 s=32
